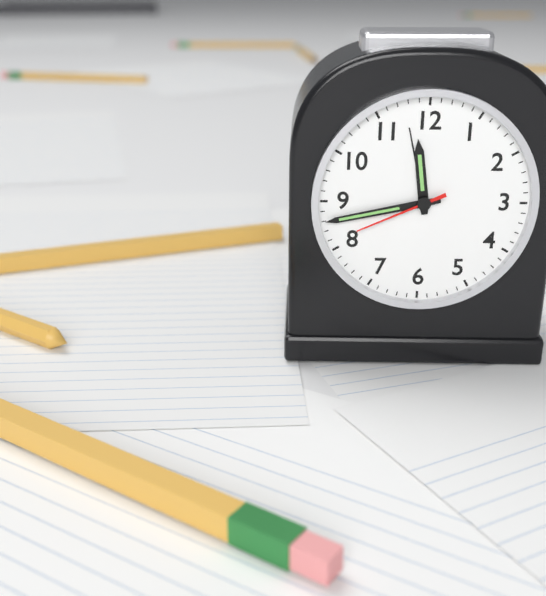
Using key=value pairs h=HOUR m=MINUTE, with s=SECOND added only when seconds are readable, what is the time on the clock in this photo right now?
h=11 m=43 s=41
